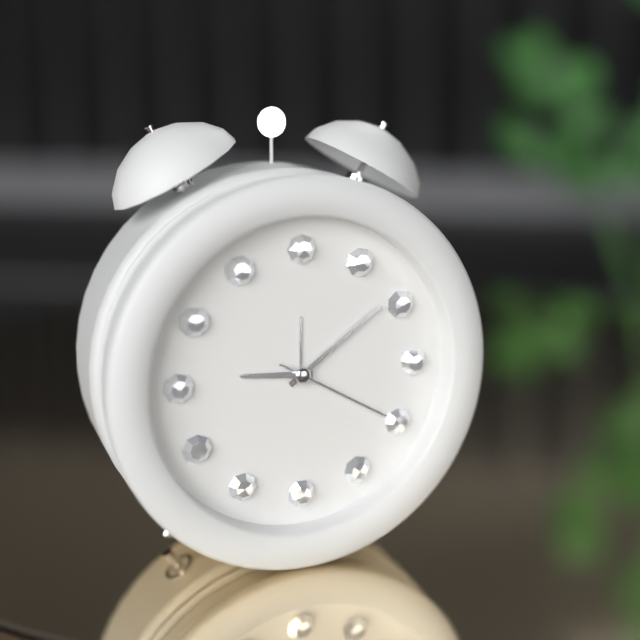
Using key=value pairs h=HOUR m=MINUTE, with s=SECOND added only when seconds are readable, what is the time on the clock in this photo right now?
h=9 m=9 s=20
